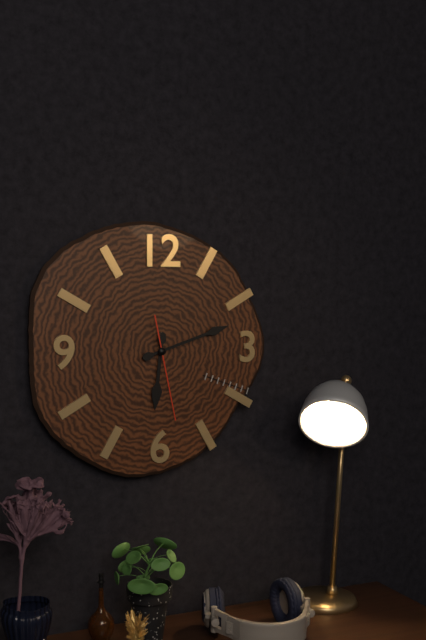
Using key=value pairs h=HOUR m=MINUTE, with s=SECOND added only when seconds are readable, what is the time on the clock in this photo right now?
h=6 m=12 s=28
